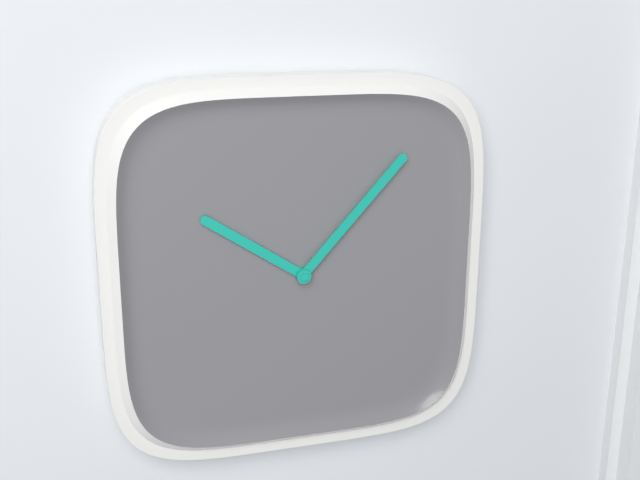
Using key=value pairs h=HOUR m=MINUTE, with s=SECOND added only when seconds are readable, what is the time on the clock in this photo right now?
h=10 m=7
